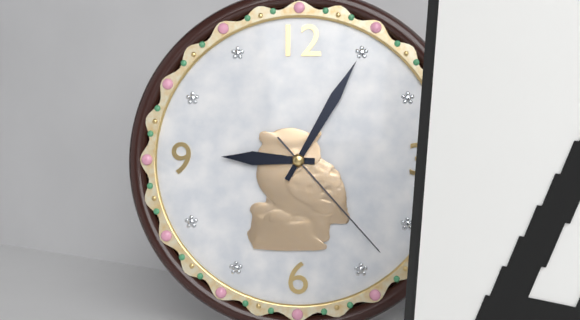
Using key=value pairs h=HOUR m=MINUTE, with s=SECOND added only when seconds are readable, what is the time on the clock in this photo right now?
h=9 m=5 s=23
